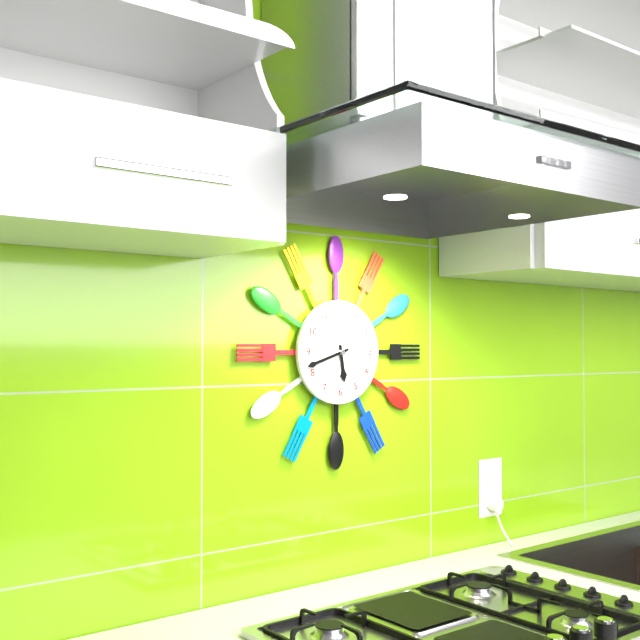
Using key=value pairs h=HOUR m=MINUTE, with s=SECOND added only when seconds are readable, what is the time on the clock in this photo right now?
h=5 m=42
